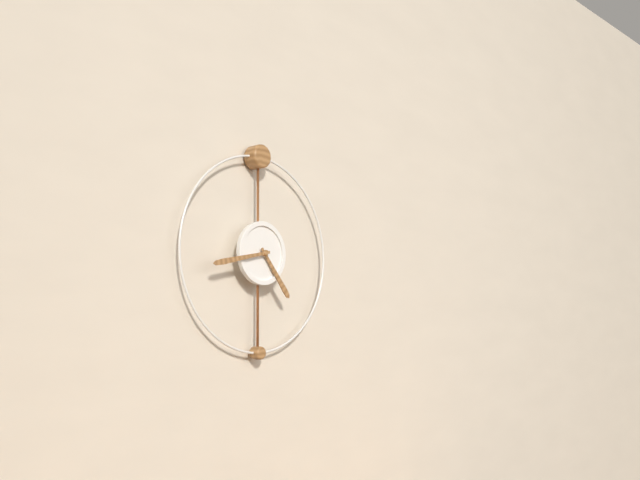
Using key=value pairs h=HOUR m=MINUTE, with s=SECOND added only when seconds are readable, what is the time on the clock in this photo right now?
h=4 m=43
